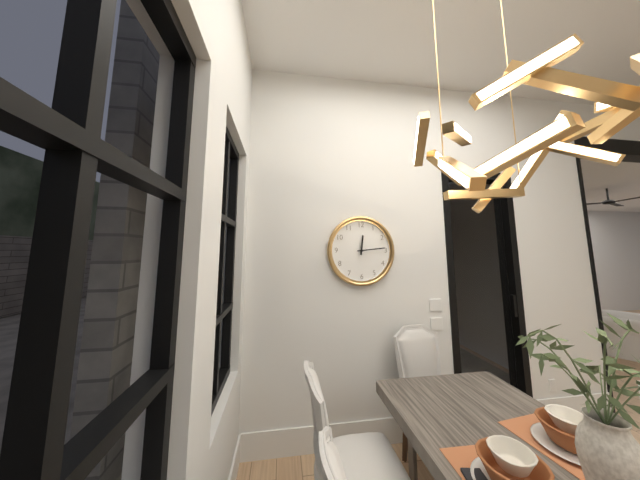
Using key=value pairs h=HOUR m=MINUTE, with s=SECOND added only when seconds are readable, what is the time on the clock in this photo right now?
h=12 m=14
